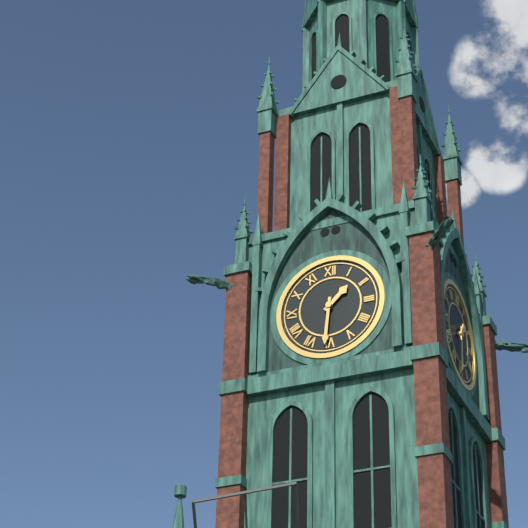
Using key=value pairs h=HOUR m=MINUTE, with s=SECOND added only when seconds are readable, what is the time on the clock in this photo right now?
h=1 m=31
